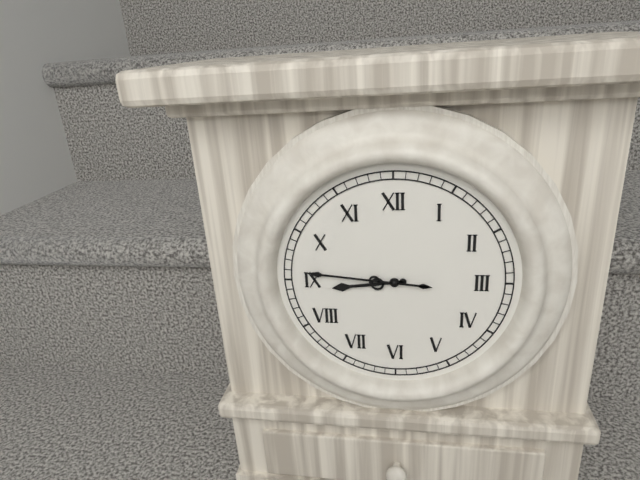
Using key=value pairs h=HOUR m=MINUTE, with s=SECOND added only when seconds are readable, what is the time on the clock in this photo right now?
h=8 m=46
